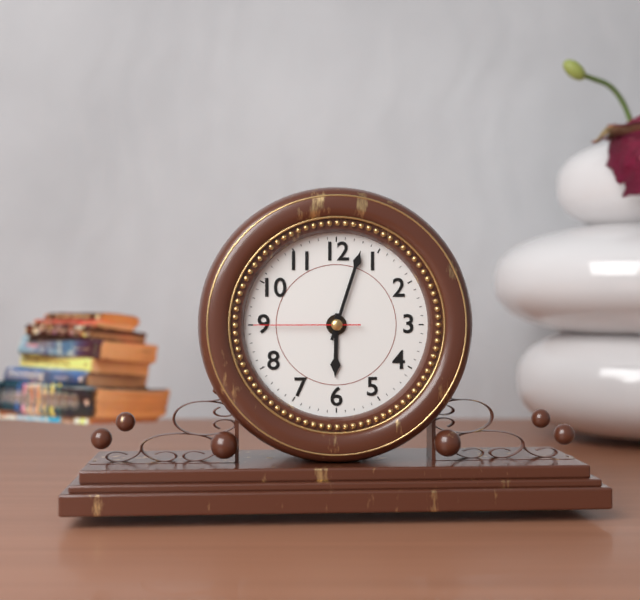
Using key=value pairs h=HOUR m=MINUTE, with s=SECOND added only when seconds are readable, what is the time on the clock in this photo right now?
h=6 m=3 s=45
